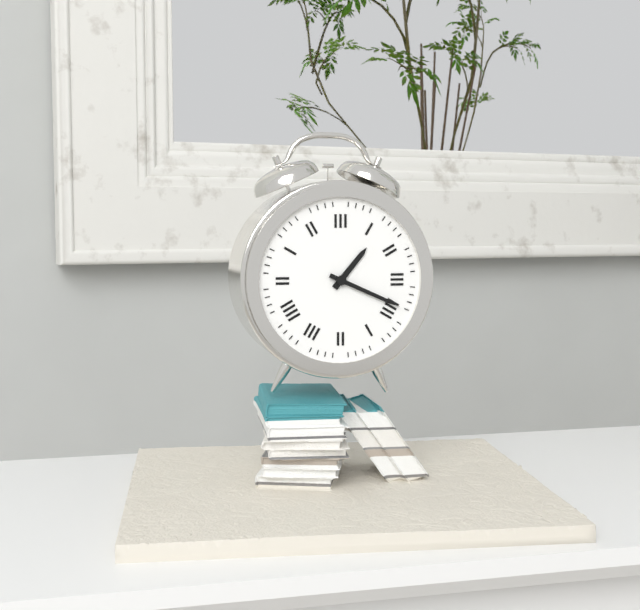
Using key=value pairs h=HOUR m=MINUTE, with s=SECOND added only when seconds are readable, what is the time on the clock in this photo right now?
h=1 m=19
